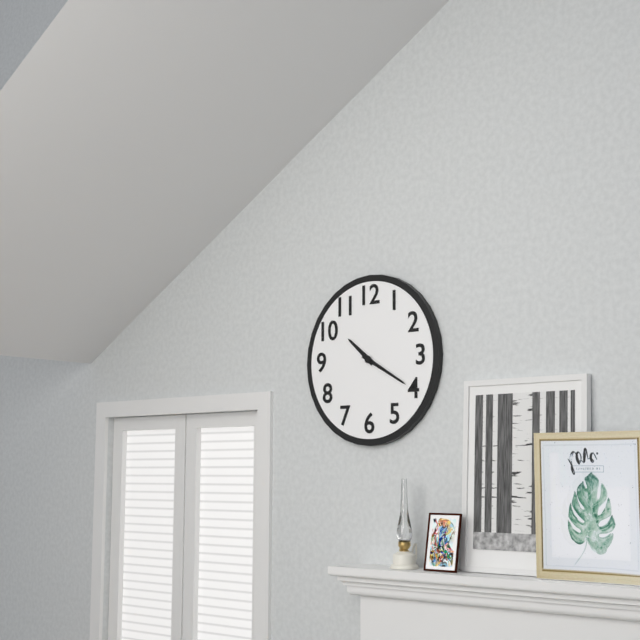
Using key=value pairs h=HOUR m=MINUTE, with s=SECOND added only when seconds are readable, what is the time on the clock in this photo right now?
h=10 m=20
